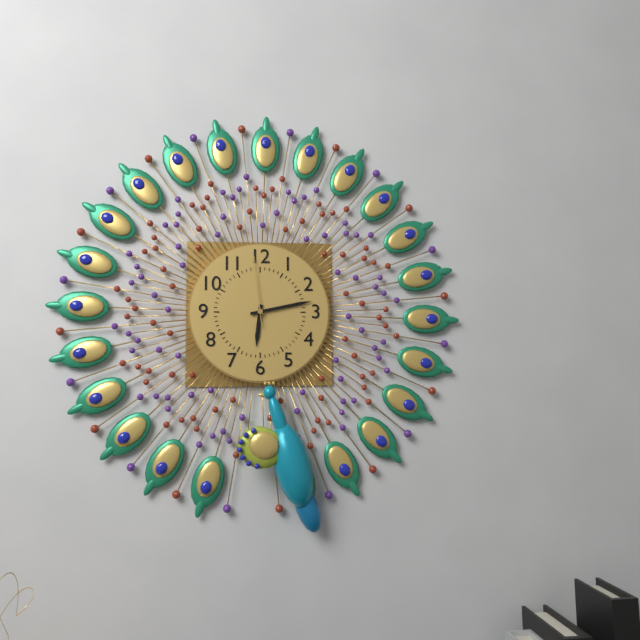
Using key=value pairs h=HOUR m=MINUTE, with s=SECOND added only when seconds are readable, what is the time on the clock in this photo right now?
h=6 m=13 s=59
